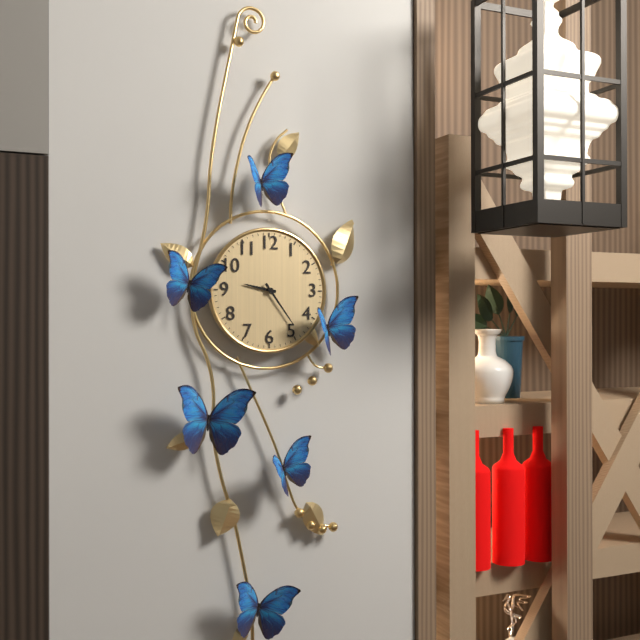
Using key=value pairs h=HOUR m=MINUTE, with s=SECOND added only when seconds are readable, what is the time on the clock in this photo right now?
h=9 m=24
